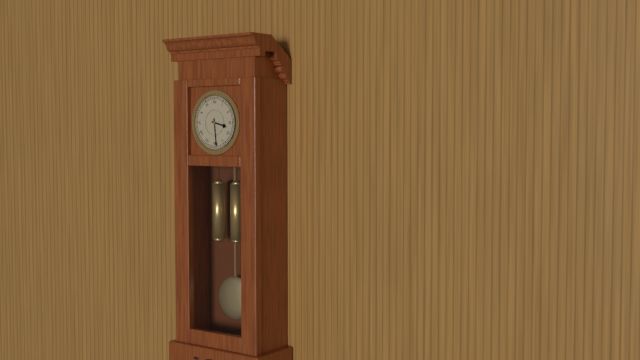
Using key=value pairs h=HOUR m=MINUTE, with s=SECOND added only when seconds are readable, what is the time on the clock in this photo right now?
h=3 m=29
